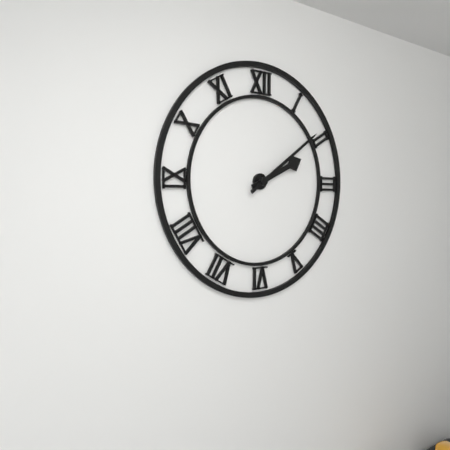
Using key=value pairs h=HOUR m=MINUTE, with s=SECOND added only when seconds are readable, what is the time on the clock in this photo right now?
h=2 m=9
